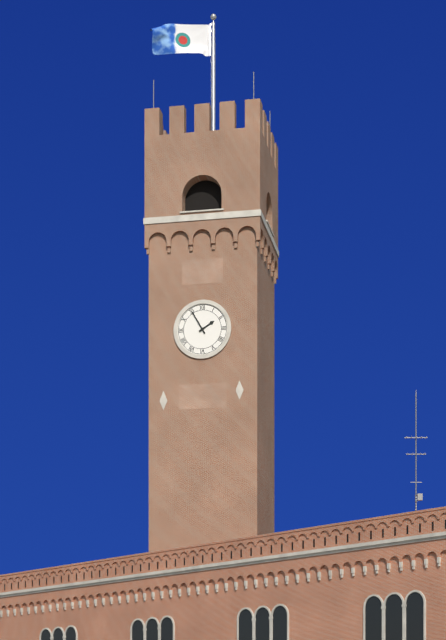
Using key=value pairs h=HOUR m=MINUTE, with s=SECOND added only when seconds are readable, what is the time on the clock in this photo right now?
h=1 m=55
